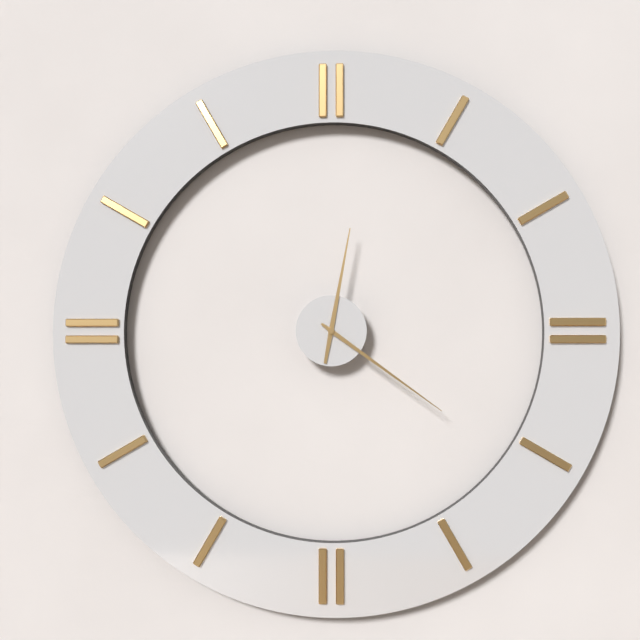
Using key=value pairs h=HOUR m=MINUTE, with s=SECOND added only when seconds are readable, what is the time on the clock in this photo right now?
h=12 m=21
